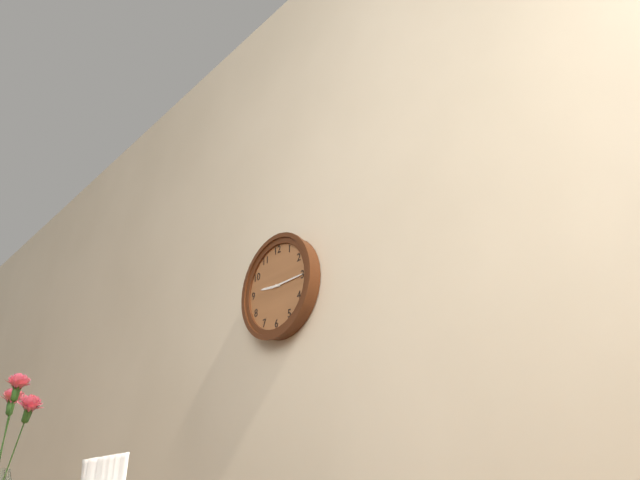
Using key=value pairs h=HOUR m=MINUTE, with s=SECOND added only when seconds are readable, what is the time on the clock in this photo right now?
h=9 m=15
